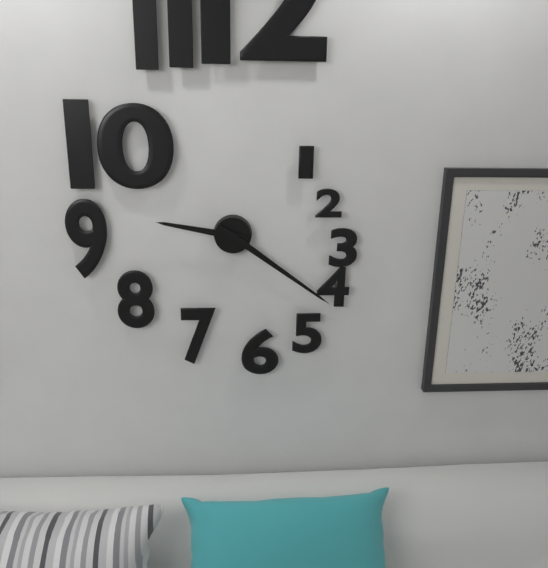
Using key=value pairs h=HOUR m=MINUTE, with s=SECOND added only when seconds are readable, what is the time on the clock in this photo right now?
h=9 m=21
